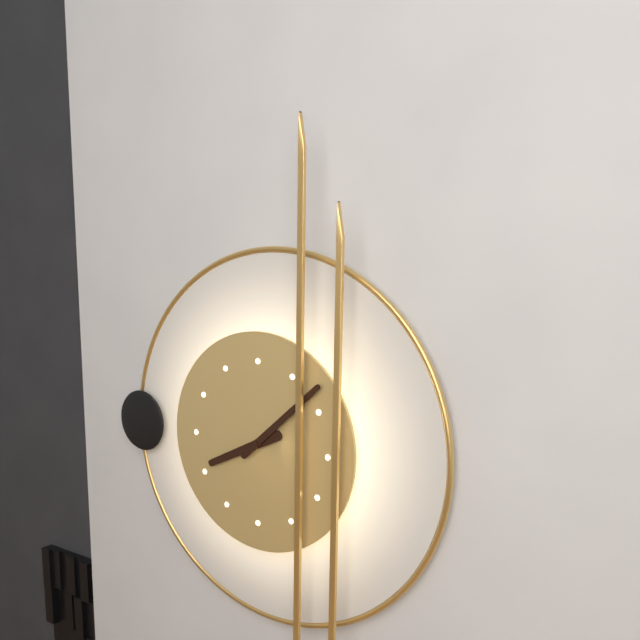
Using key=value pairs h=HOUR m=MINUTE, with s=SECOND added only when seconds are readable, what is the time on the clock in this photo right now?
h=8 m=8
